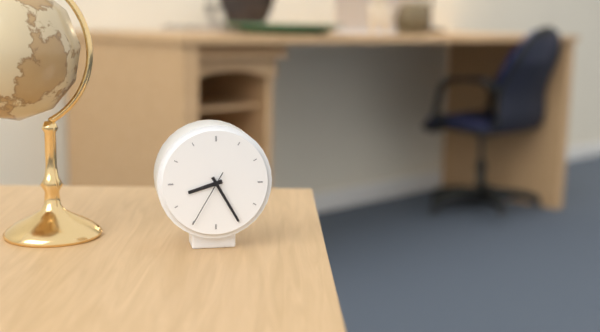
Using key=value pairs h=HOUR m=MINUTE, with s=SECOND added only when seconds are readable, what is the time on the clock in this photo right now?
h=8 m=25 s=35
